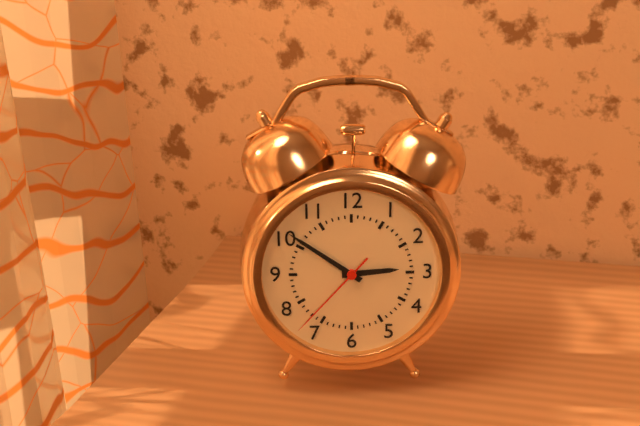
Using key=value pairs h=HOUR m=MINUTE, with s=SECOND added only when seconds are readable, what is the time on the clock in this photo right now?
h=2 m=51 s=37
